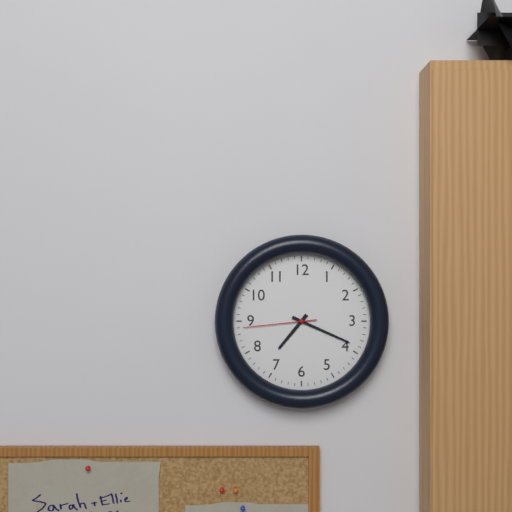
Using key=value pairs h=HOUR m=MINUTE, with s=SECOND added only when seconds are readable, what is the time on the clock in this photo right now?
h=7 m=19 s=44
